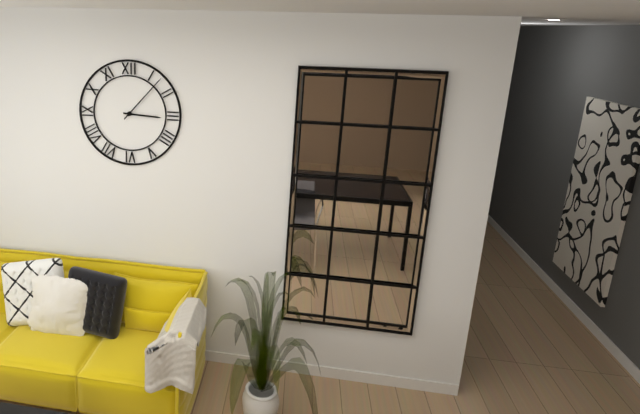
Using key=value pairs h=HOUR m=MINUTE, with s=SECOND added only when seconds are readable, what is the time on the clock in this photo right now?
h=3 m=7
